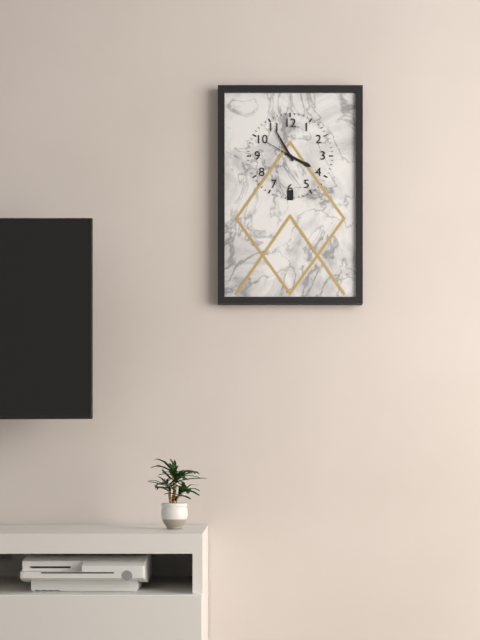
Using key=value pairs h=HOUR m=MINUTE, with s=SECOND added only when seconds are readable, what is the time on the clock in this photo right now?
h=3 m=55
